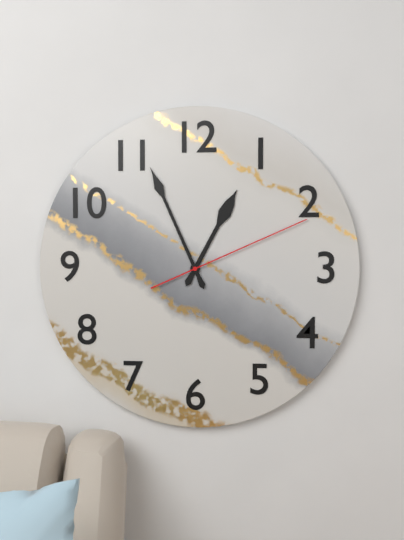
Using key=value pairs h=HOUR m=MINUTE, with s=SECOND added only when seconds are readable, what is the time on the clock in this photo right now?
h=12 m=56 s=11
